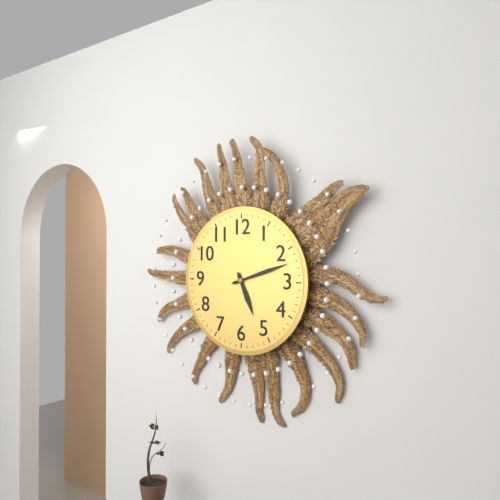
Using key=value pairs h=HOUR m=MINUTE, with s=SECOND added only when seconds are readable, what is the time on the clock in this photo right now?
h=5 m=12
